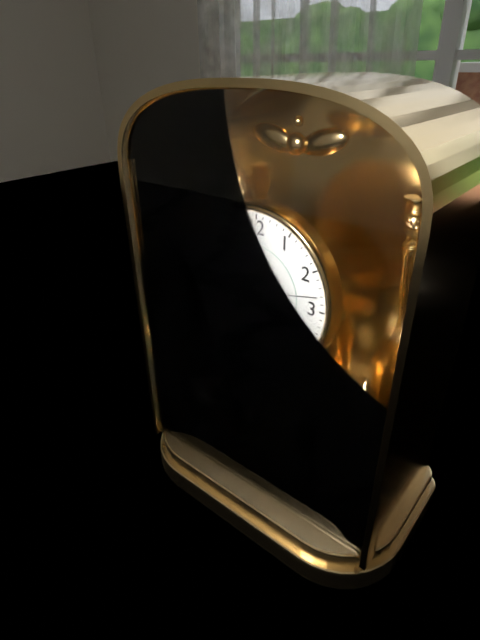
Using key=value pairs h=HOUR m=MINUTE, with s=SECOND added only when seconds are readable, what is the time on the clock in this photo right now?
h=8 m=19 s=13
